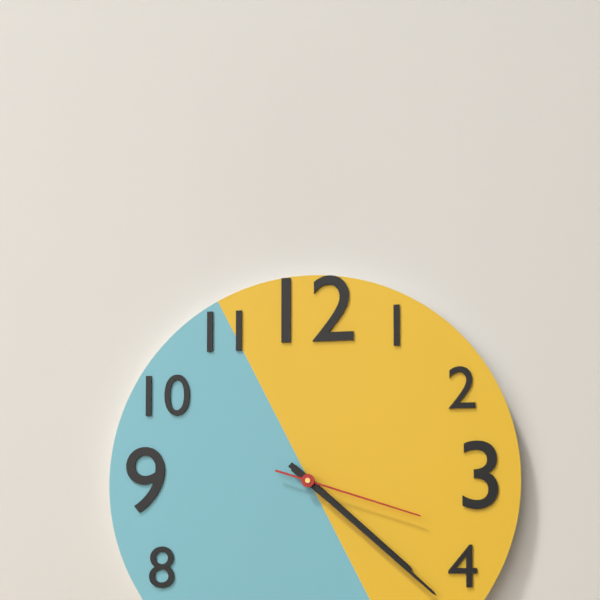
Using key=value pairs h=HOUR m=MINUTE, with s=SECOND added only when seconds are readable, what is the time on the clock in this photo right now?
h=4 m=22 s=18
